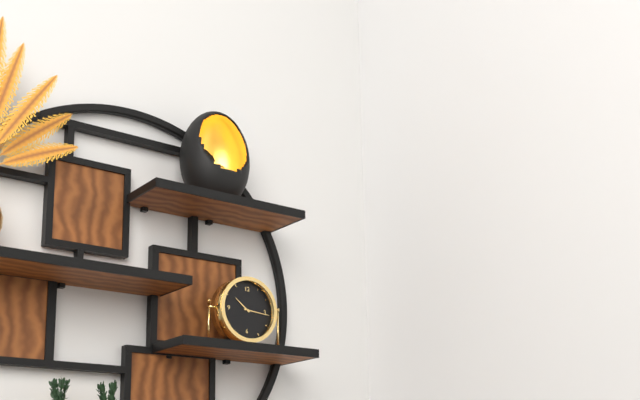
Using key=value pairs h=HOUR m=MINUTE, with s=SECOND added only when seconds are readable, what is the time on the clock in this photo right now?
h=10 m=16
